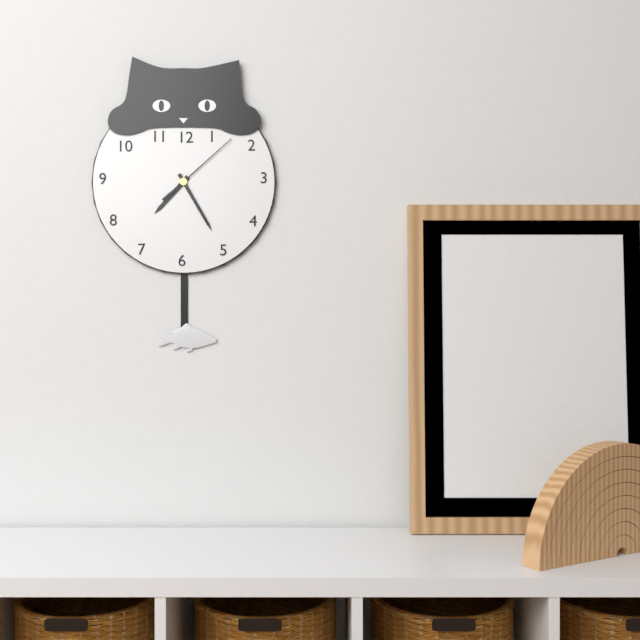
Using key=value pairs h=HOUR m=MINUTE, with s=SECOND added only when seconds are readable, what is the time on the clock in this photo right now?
h=7 m=25 s=8
